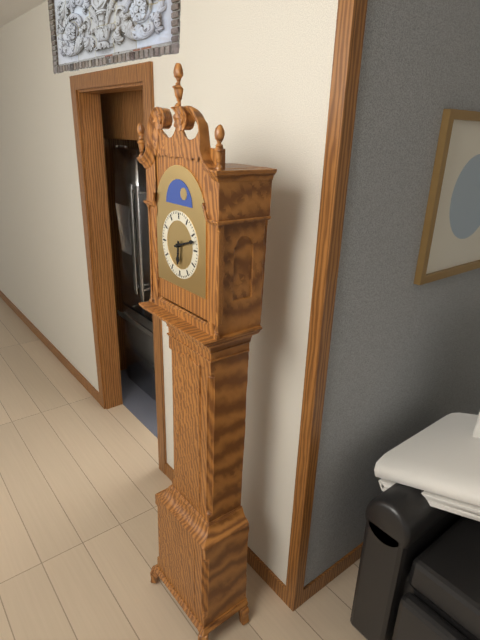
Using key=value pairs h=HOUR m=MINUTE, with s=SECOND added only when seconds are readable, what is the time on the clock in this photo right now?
h=6 m=12
